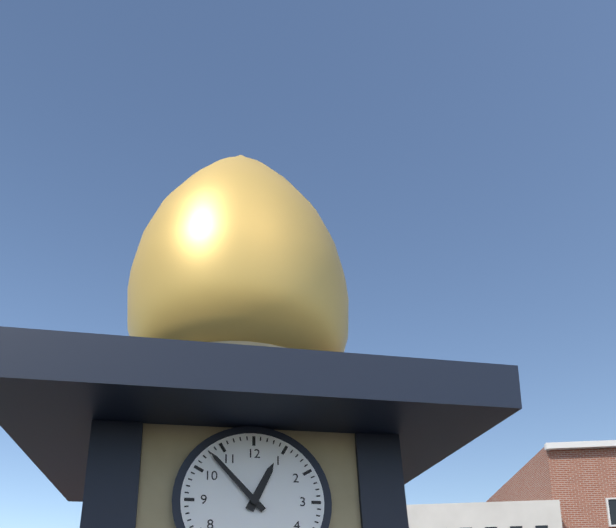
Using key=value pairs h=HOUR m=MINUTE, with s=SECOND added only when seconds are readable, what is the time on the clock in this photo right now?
h=12 m=53
